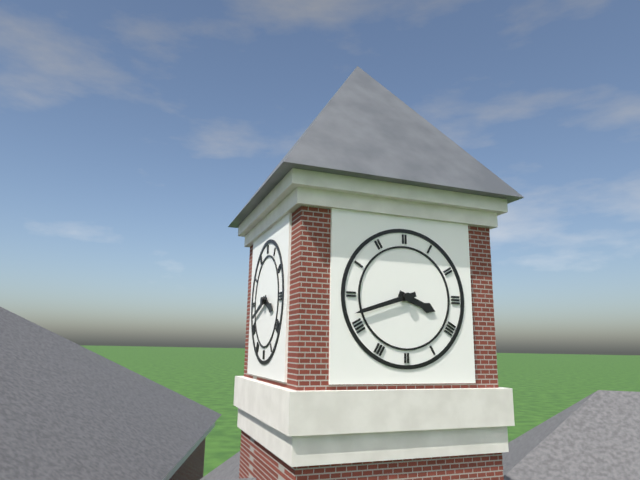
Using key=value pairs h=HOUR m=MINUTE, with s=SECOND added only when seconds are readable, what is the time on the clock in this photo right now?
h=3 m=42
